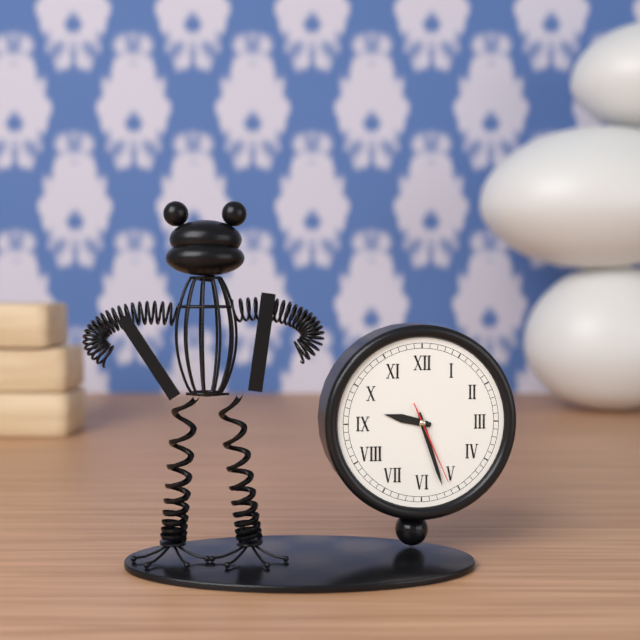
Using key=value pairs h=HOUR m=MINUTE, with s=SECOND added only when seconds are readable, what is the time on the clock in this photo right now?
h=9 m=27 s=26
